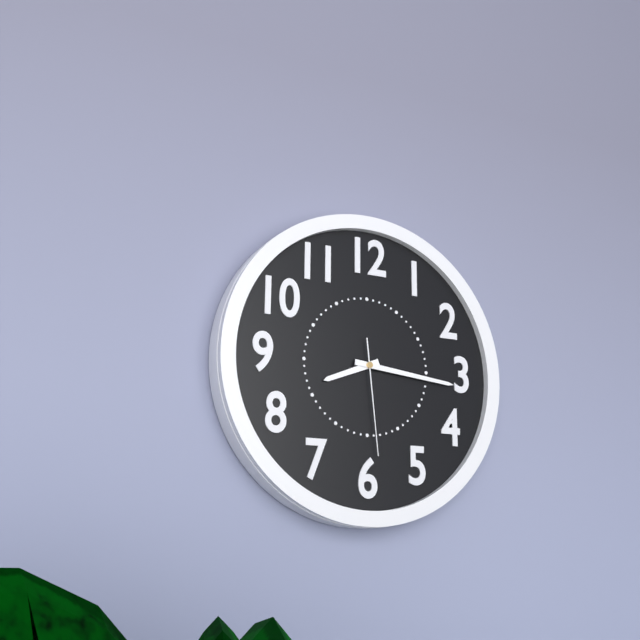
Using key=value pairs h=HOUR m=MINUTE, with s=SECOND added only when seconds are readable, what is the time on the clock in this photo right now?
h=8 m=16 s=29
